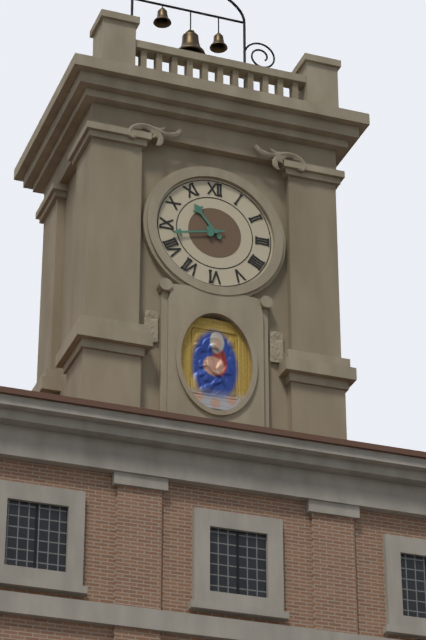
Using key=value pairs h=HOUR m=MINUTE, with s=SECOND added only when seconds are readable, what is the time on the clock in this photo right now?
h=10 m=43
